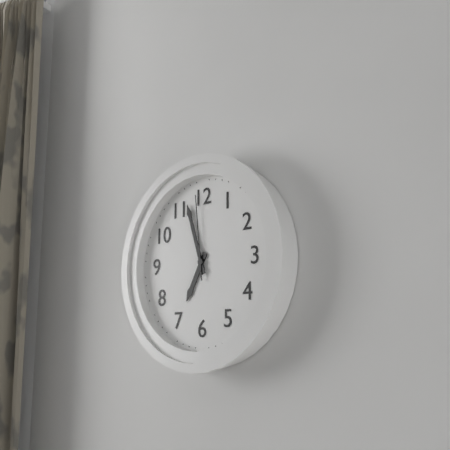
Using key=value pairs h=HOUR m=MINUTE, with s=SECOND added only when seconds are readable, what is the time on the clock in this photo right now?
h=6 m=57 s=59
